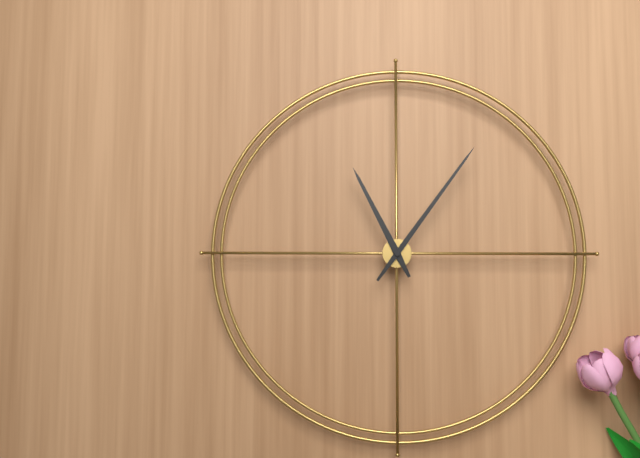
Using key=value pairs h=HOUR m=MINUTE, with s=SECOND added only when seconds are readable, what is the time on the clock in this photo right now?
h=11 m=6
